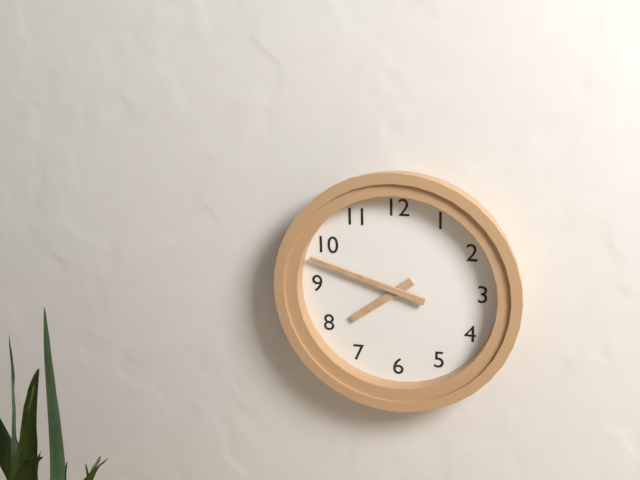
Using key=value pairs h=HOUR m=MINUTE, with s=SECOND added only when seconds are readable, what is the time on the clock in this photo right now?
h=7 m=48
